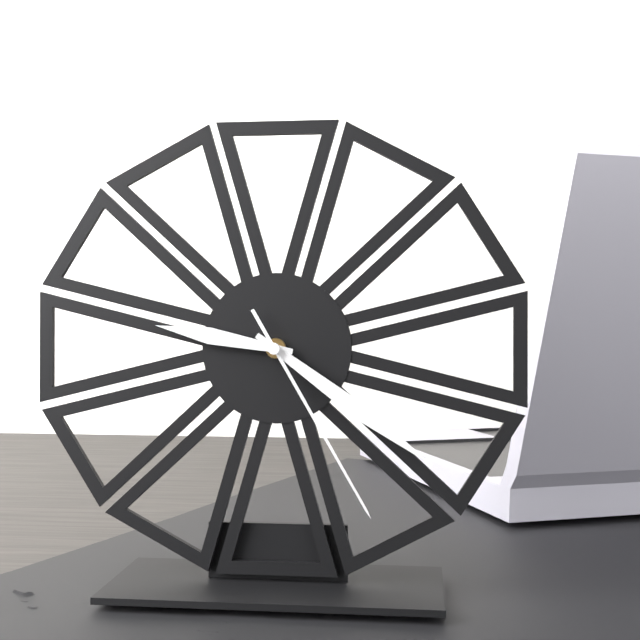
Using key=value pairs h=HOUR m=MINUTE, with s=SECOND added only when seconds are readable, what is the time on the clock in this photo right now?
h=9 m=21 s=25
